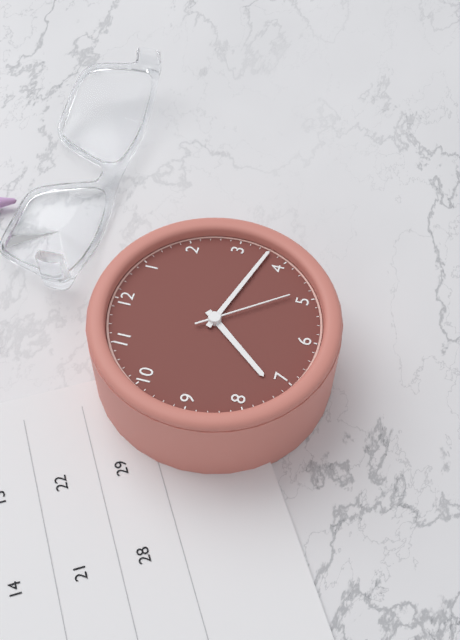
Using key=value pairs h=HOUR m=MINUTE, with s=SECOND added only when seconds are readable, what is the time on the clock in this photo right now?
h=7 m=18 s=24
